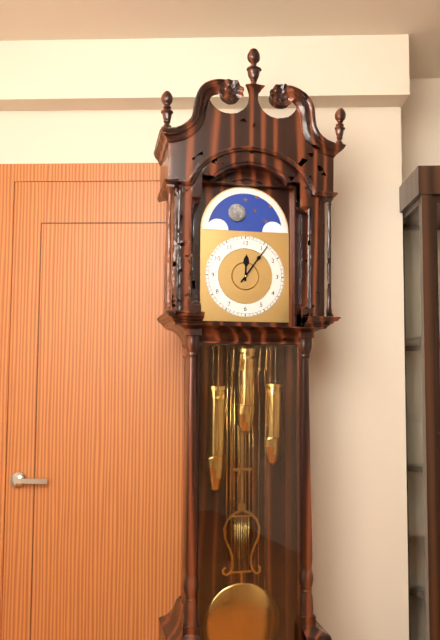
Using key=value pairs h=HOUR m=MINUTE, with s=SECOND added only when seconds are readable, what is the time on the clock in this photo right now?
h=12 m=6
